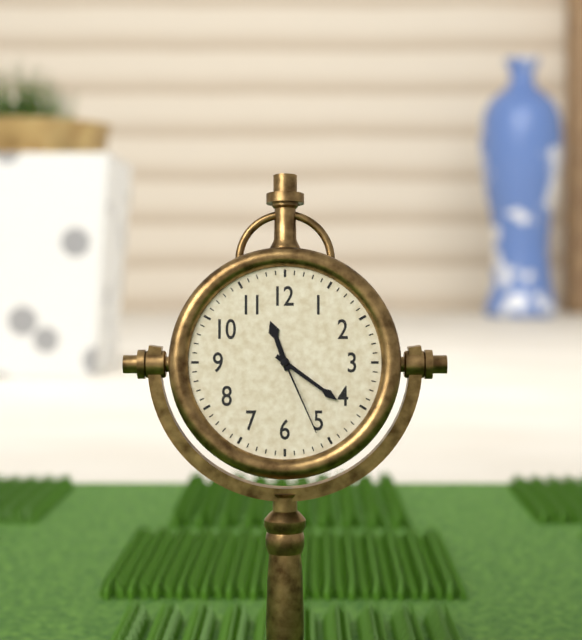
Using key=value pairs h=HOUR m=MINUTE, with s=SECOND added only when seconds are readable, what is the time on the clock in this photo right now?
h=11 m=21 s=26
